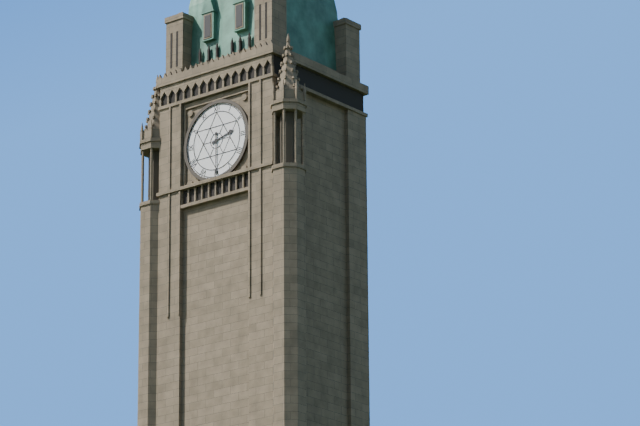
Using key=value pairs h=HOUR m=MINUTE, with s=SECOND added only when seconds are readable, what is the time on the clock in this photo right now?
h=2 m=30
